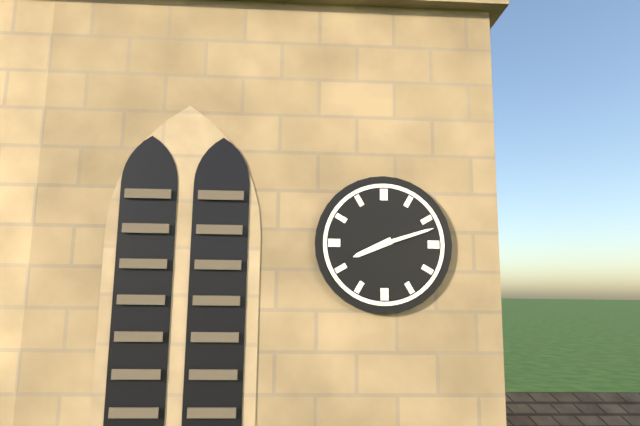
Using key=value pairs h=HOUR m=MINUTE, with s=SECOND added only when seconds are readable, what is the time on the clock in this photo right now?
h=8 m=12
